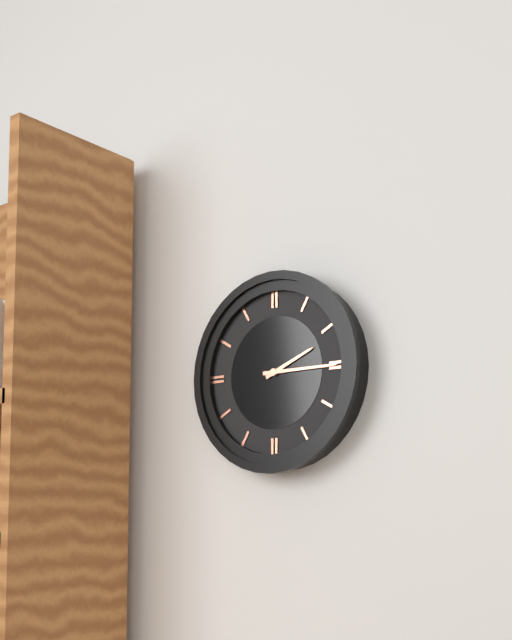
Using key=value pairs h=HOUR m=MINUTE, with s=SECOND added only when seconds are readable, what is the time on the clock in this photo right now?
h=2 m=15
